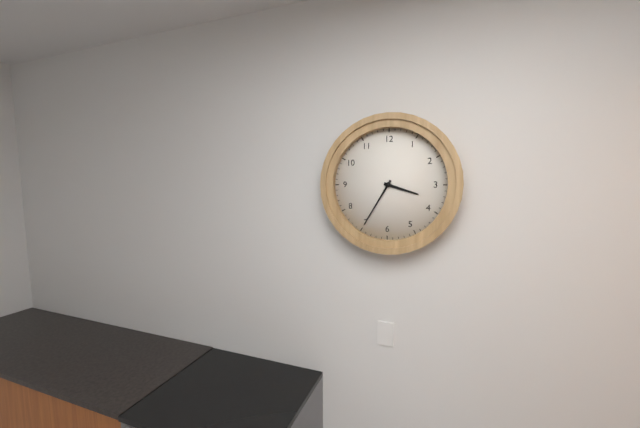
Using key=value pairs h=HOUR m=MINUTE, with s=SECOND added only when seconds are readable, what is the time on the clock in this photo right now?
h=3 m=35
